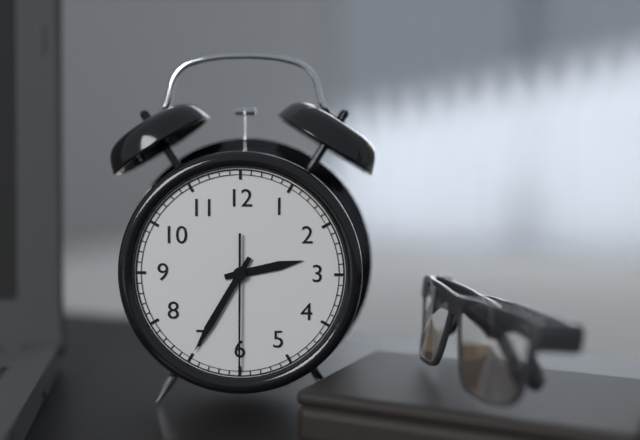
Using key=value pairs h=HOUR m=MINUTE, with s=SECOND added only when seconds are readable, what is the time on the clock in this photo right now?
h=2 m=35 s=30
